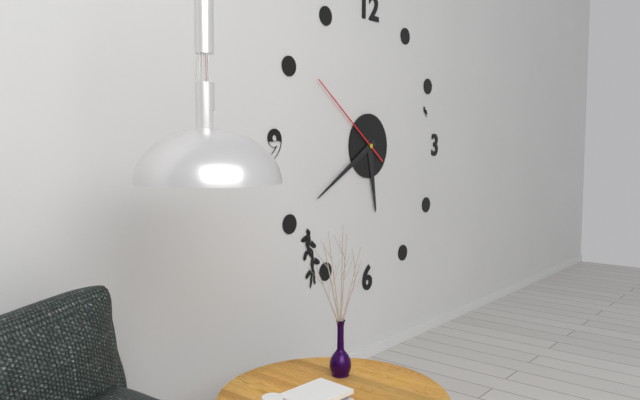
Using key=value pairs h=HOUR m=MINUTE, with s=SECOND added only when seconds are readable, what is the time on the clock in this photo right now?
h=5 m=40 s=51
